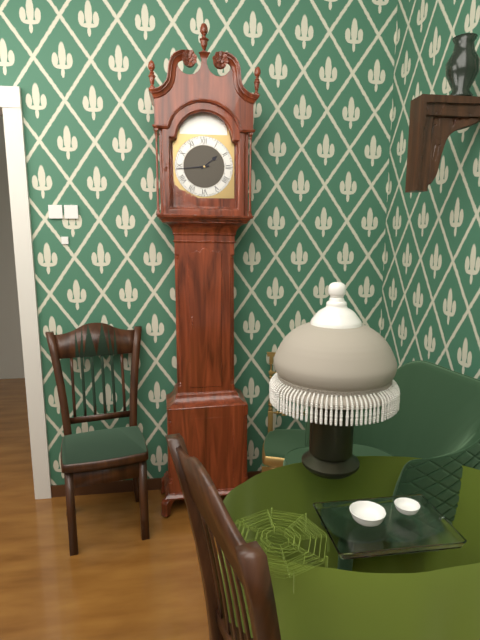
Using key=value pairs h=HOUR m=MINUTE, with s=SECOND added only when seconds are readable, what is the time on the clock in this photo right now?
h=1 m=44
